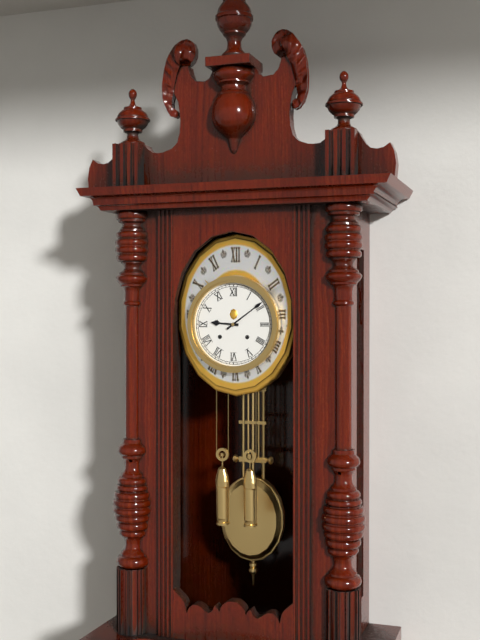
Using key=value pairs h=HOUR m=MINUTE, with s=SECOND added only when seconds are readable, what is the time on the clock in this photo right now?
h=9 m=9
